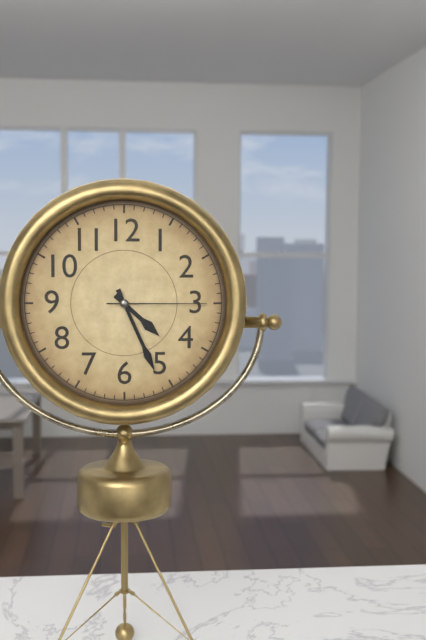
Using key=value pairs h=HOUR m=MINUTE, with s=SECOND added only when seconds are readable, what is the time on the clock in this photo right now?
h=4 m=26 s=15
